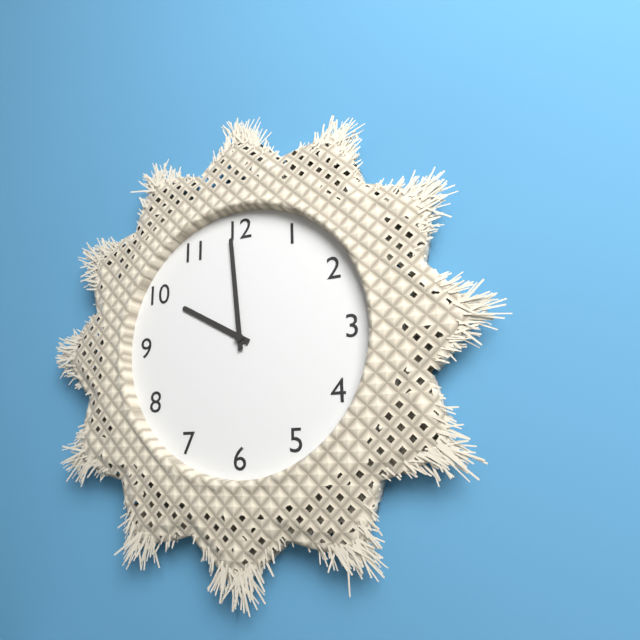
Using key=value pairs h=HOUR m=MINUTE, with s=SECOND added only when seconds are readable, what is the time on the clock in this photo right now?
h=9 m=59
